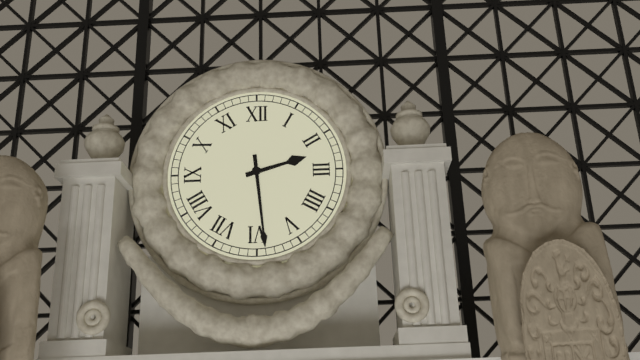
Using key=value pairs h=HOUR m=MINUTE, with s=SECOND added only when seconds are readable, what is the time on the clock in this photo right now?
h=2 m=29
